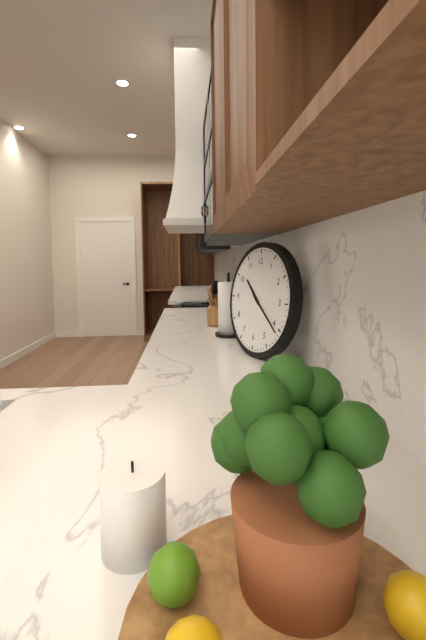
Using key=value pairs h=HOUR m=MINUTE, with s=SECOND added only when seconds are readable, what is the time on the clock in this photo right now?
h=10 m=21
